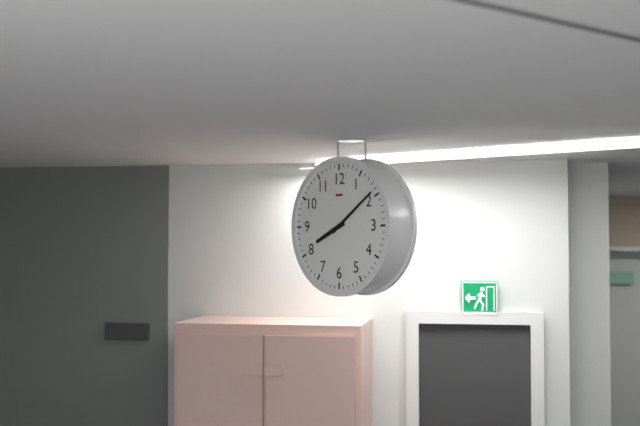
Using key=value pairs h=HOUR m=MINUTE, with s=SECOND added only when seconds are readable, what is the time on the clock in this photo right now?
h=8 m=9
